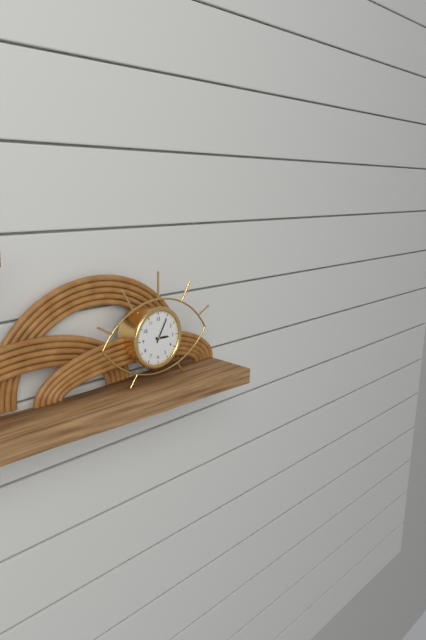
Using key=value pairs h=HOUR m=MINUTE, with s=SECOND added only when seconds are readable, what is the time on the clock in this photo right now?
h=3 m=5
